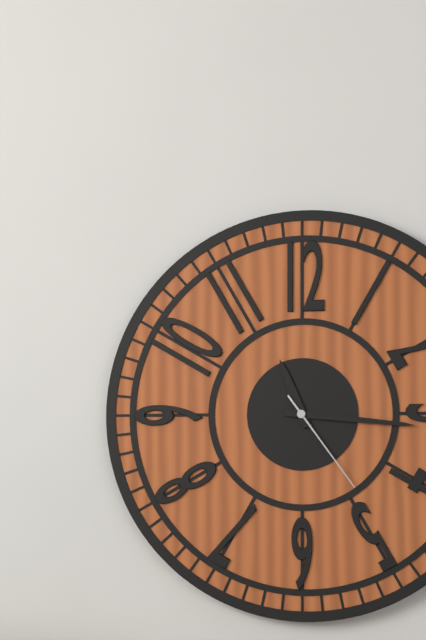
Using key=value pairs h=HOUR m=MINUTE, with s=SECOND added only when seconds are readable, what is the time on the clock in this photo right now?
h=11 m=16 s=24
